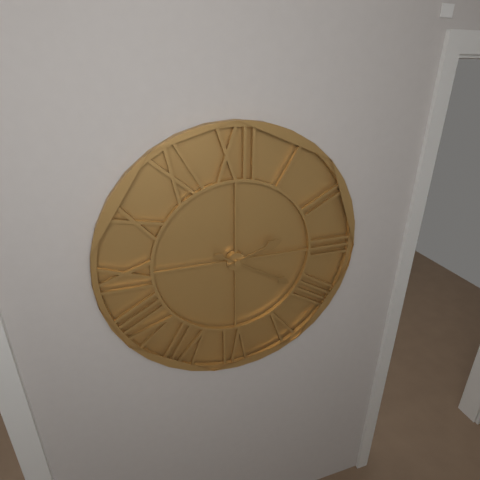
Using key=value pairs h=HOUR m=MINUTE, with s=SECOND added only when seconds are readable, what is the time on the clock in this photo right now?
h=2 m=20
